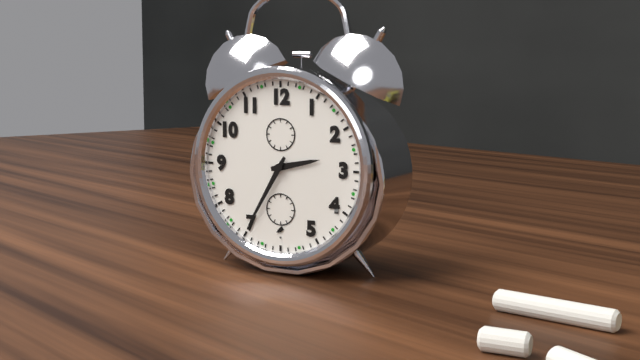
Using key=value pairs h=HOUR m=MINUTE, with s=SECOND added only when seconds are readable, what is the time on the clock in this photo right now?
h=2 m=35
